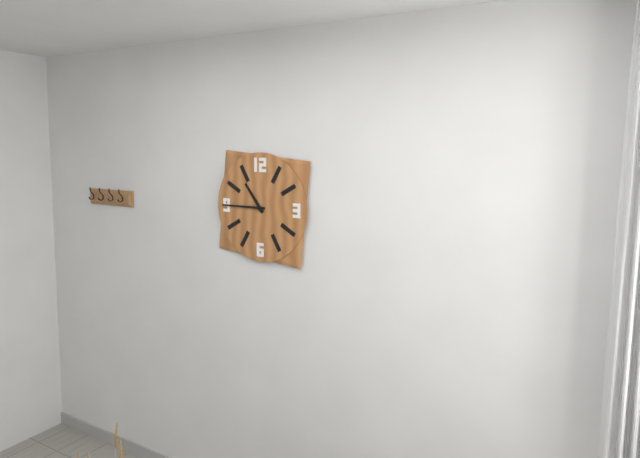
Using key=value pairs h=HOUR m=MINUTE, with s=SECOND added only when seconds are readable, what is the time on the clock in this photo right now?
h=10 m=45
